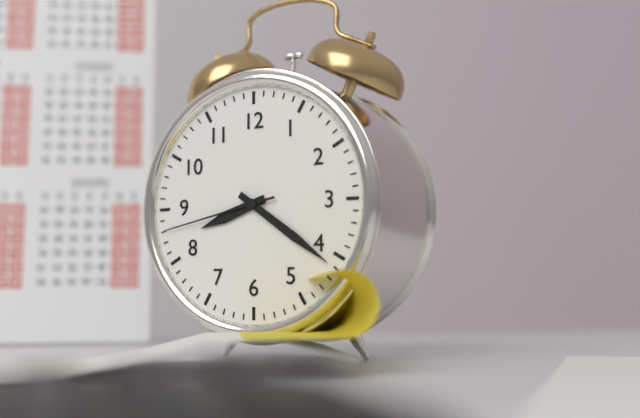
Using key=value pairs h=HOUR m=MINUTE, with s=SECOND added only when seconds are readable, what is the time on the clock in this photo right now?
h=8 m=21 s=43
